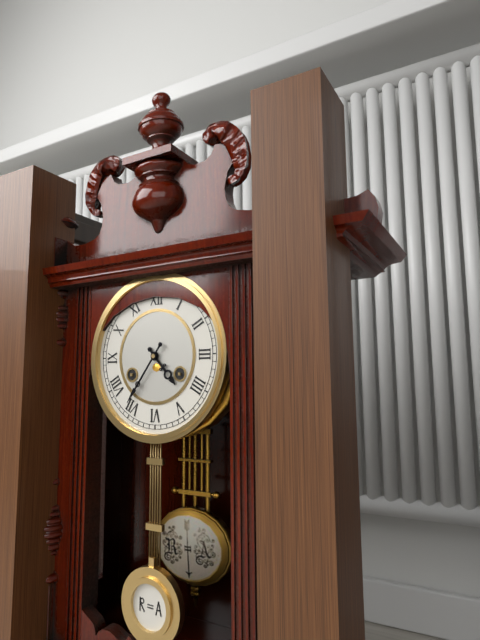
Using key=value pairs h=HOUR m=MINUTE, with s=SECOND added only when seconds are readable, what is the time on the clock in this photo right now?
h=4 m=36
